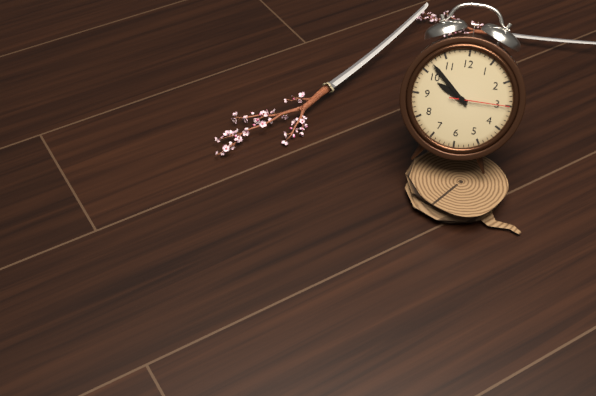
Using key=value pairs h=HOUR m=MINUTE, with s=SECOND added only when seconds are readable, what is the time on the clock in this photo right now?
h=9 m=52 s=15
